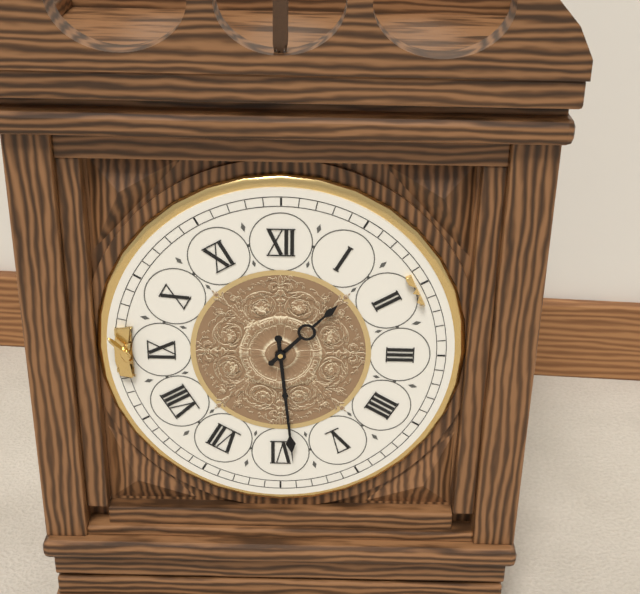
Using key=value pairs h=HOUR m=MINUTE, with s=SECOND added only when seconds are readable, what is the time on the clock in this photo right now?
h=1 m=29
